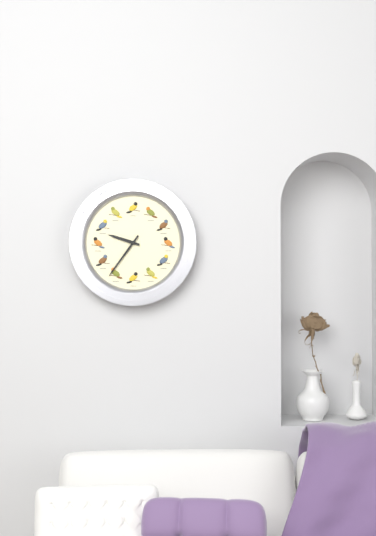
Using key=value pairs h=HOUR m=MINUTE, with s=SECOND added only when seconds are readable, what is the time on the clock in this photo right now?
h=9 m=36
